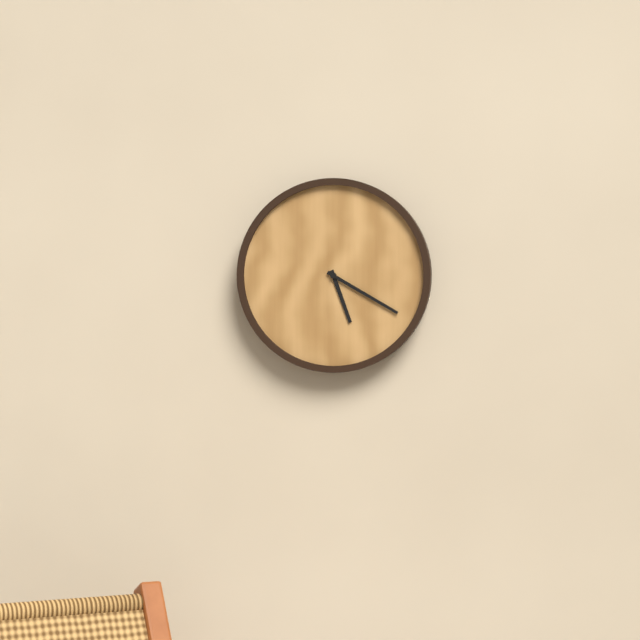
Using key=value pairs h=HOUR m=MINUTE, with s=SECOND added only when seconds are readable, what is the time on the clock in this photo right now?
h=5 m=20
